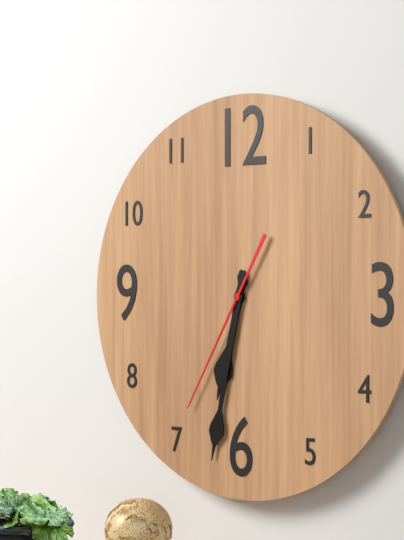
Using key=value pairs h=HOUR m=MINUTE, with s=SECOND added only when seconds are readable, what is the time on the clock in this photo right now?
h=6 m=32 s=35
